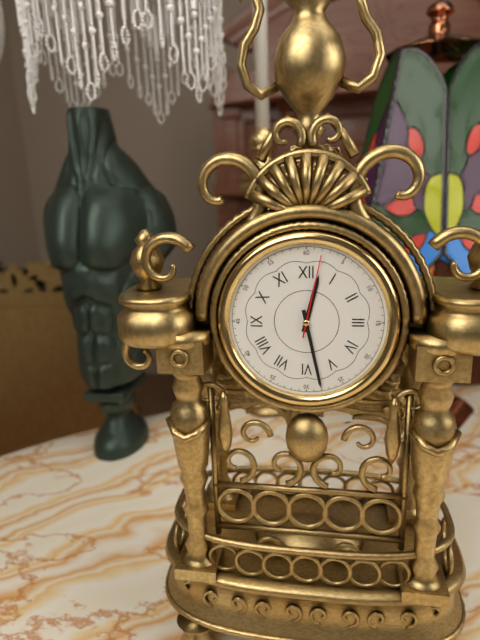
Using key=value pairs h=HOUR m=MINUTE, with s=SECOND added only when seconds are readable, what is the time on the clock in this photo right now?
h=12 m=28 s=2
